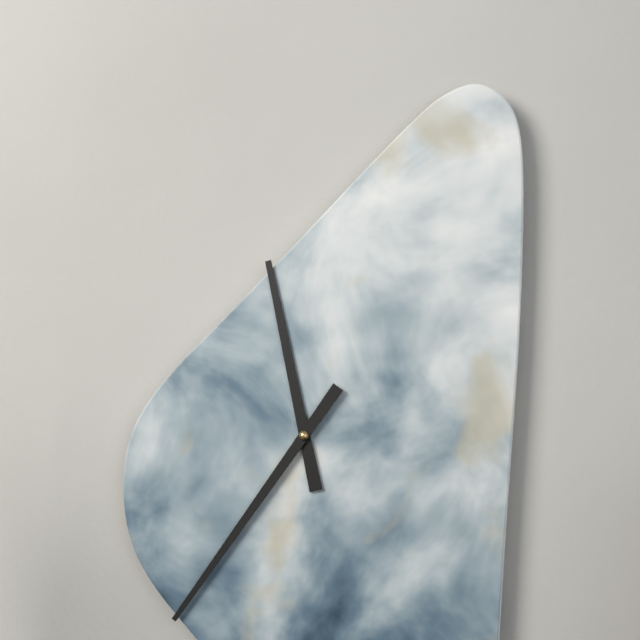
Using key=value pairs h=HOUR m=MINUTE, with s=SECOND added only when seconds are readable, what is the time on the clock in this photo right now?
h=11 m=36
